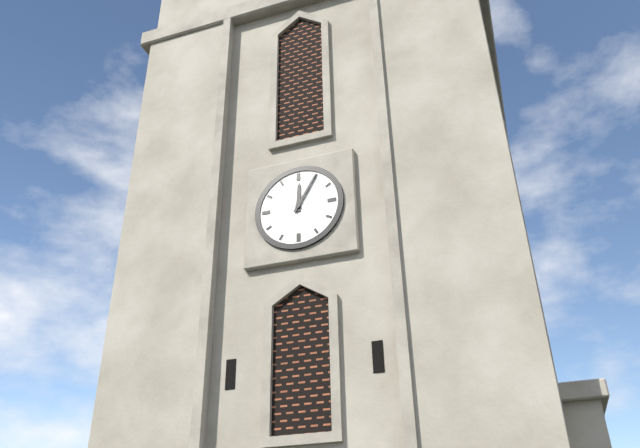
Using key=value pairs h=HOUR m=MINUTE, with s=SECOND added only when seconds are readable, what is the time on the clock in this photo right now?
h=12 m=5
